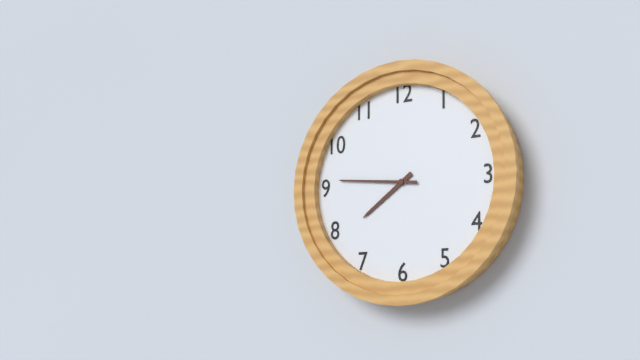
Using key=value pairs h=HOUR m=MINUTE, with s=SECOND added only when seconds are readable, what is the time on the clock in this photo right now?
h=7 m=46
